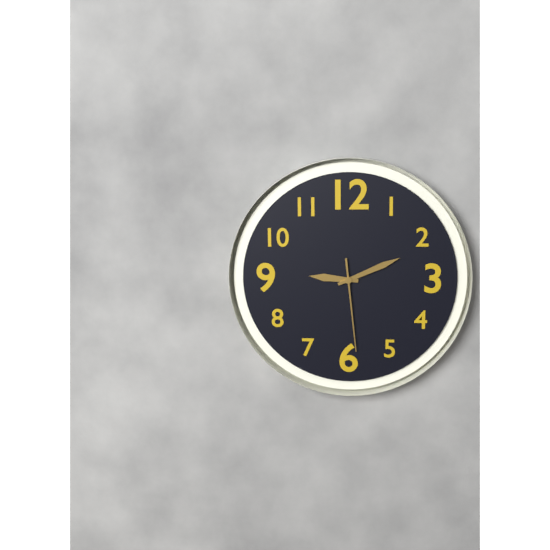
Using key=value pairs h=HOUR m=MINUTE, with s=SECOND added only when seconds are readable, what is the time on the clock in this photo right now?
h=9 m=11 s=29
